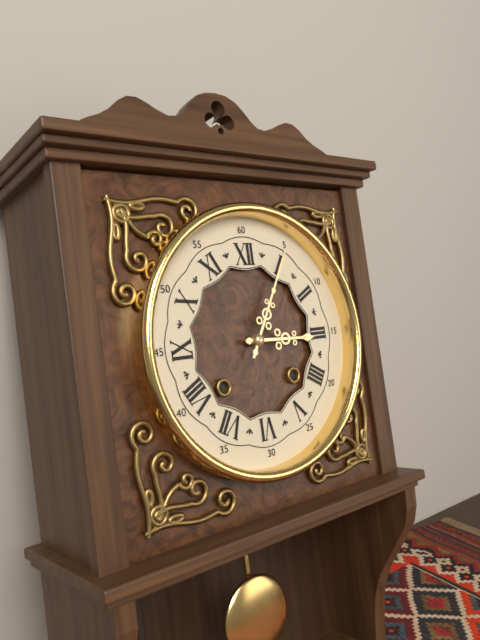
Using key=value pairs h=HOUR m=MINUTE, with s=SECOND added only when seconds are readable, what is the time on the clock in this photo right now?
h=3 m=5
